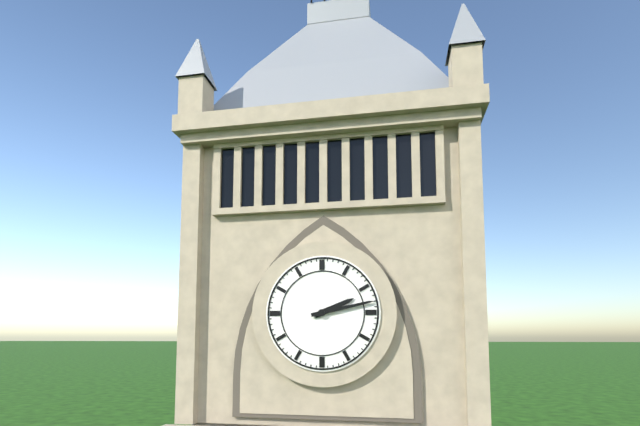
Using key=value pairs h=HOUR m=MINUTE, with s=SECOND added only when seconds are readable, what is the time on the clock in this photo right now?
h=2 m=13
